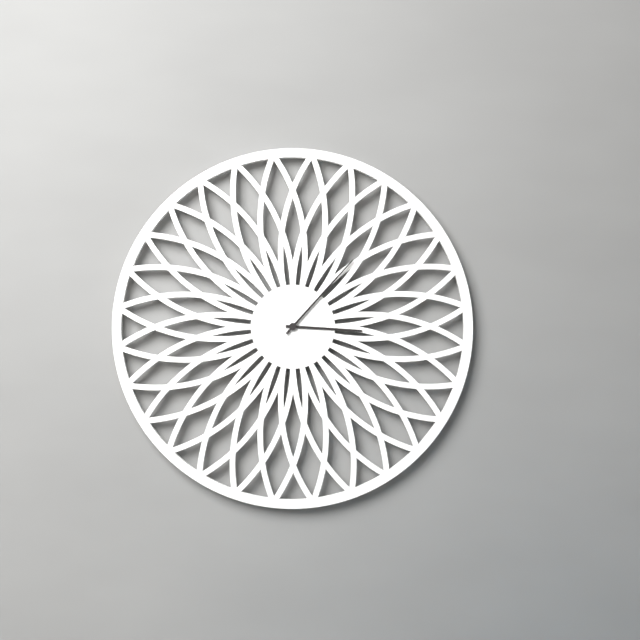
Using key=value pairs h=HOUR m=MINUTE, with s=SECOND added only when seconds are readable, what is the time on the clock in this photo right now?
h=3 m=7
